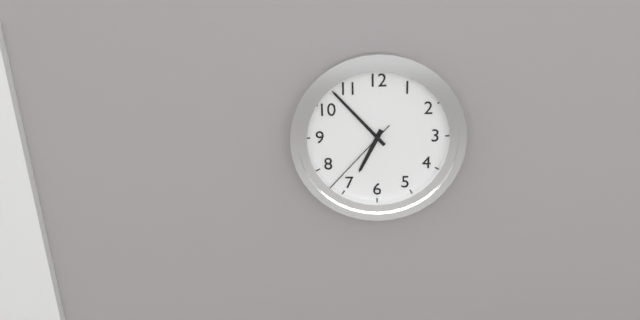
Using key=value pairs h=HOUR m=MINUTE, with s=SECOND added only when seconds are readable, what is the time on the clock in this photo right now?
h=6 m=53 s=37
